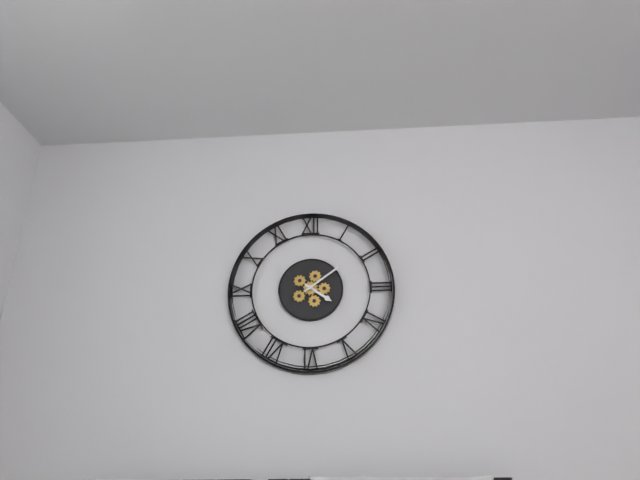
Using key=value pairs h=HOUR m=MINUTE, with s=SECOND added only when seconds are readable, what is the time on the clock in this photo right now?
h=4 m=9
